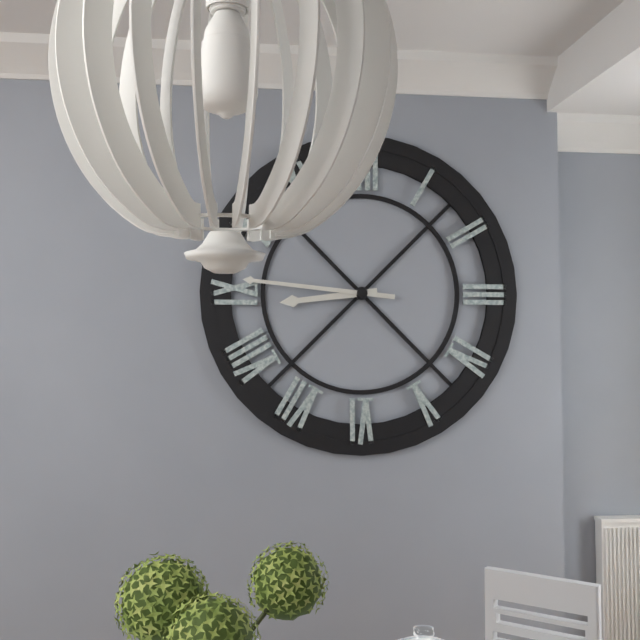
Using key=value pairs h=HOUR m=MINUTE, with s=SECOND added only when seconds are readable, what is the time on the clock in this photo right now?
h=8 m=46
